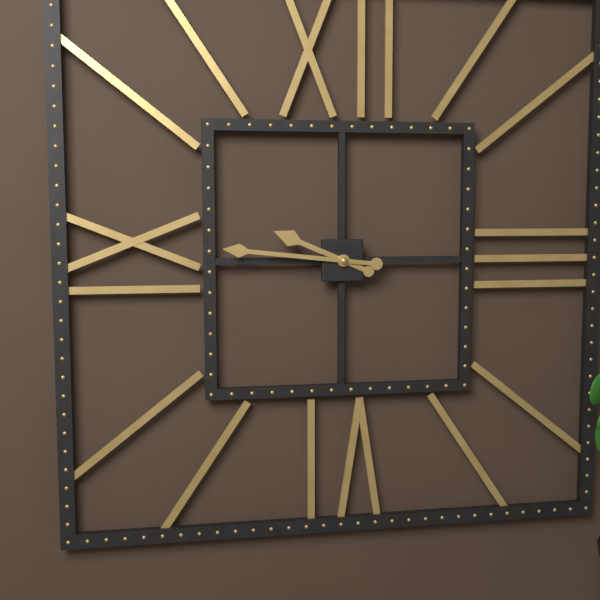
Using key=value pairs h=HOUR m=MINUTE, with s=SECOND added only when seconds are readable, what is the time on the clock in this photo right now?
h=9 m=46
